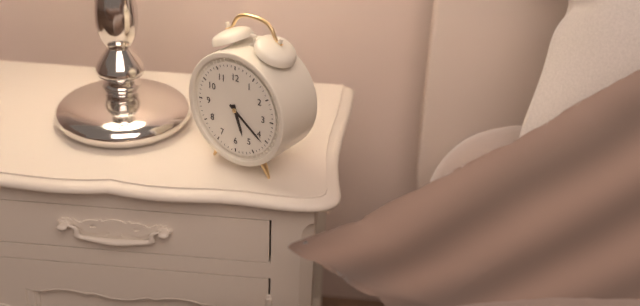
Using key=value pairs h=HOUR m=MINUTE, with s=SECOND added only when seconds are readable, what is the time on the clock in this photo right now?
h=5 m=21
